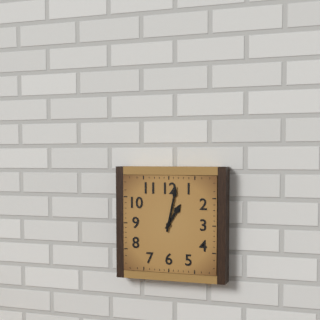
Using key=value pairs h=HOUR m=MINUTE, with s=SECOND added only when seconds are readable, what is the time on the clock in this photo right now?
h=1 m=2
